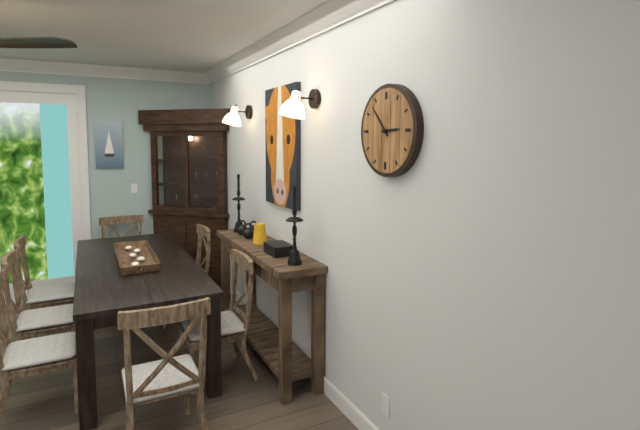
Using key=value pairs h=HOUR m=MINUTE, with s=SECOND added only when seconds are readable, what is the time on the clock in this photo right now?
h=2 m=53
